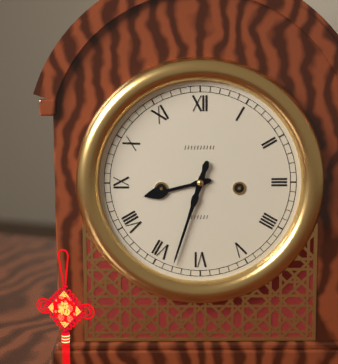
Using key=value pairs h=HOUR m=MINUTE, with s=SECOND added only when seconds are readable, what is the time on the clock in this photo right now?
h=8 m=33
